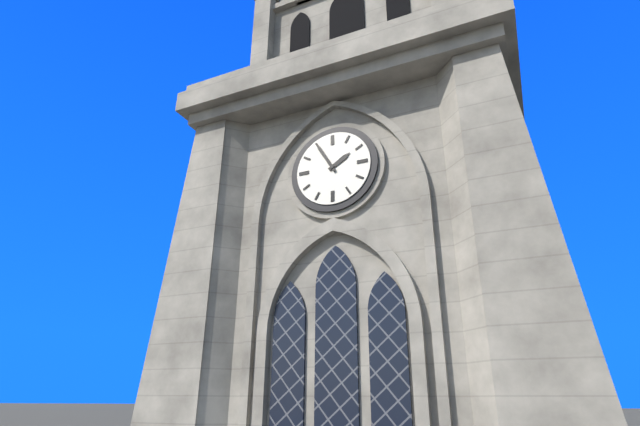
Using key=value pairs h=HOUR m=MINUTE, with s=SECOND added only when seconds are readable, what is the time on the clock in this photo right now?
h=1 m=55
